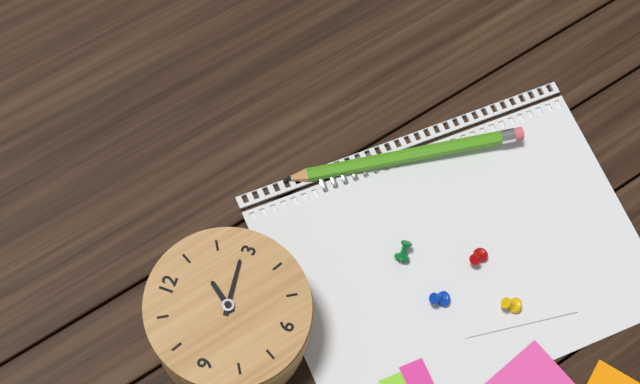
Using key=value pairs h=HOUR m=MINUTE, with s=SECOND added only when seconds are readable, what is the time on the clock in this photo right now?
h=1 m=14
